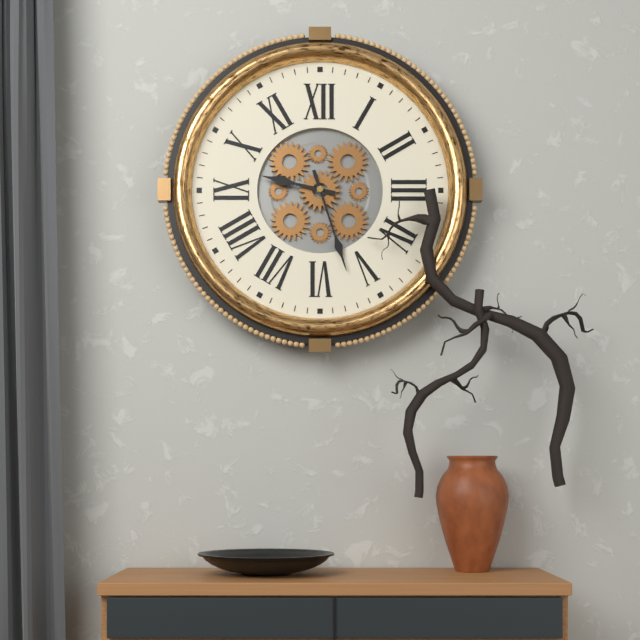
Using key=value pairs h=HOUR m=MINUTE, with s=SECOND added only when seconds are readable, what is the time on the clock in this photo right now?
h=9 m=27
